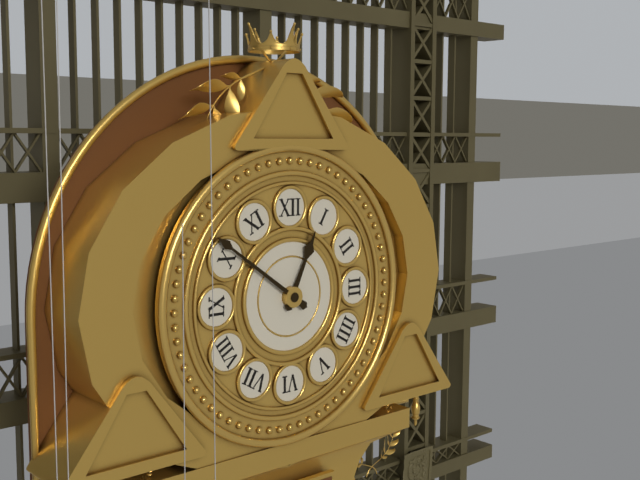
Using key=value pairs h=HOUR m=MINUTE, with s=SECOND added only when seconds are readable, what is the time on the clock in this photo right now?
h=12 m=51
